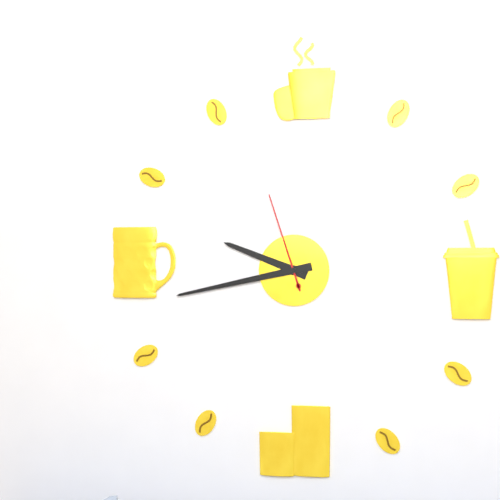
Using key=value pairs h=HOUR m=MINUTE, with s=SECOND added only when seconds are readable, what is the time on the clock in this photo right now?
h=9 m=43 s=57
